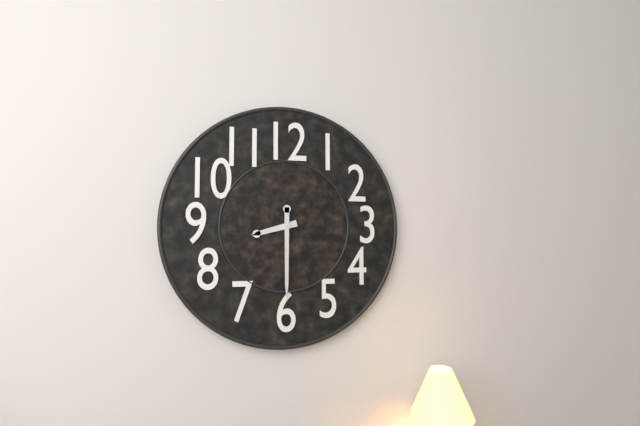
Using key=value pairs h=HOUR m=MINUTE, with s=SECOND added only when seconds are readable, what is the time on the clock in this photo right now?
h=8 m=30
